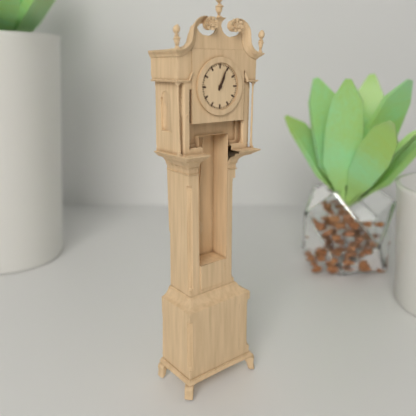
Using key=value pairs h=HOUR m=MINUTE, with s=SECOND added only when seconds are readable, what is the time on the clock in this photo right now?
h=1 m=4
